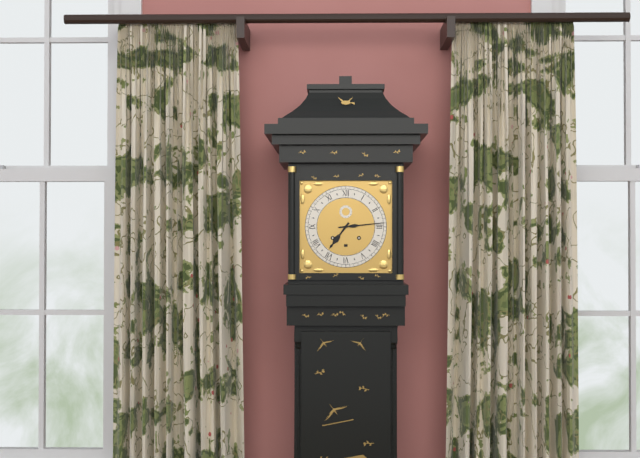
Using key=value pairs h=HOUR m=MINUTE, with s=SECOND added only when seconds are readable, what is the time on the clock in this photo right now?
h=7 m=14
